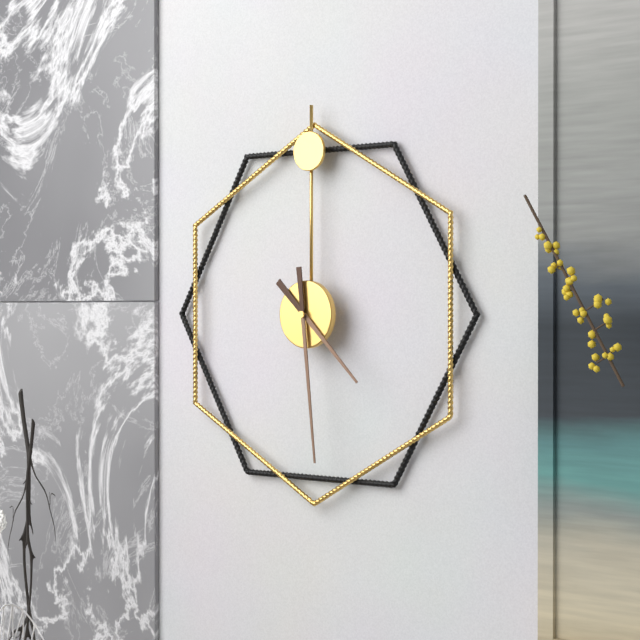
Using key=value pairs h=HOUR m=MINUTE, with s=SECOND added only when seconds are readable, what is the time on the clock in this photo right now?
h=4 m=29
